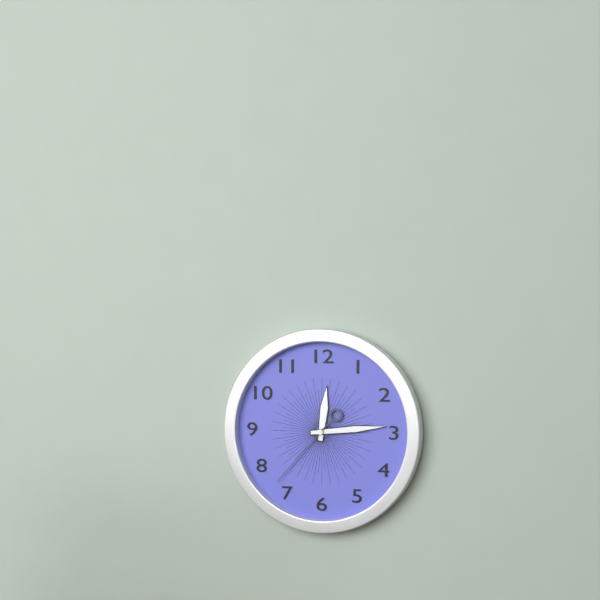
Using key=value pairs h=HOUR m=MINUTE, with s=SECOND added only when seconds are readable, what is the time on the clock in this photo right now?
h=12 m=14 s=37
